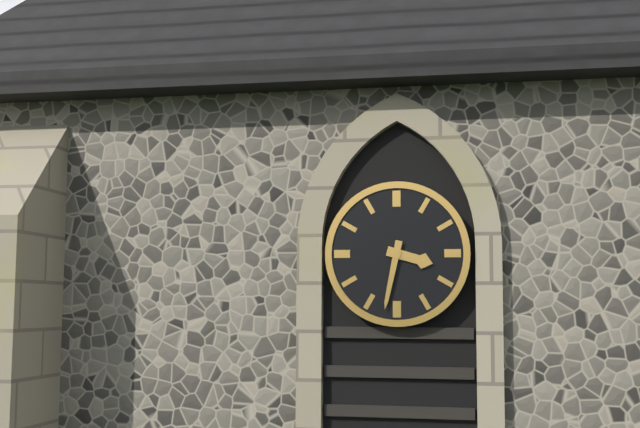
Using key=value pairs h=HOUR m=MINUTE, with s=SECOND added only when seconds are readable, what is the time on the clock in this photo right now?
h=3 m=32
